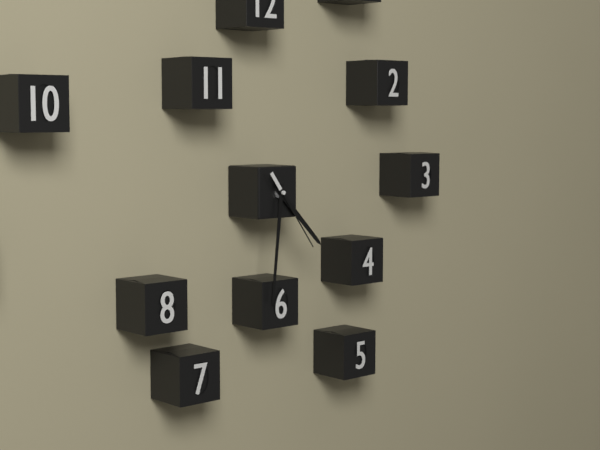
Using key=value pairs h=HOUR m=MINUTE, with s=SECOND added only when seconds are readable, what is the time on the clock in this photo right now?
h=4 m=31 s=24
